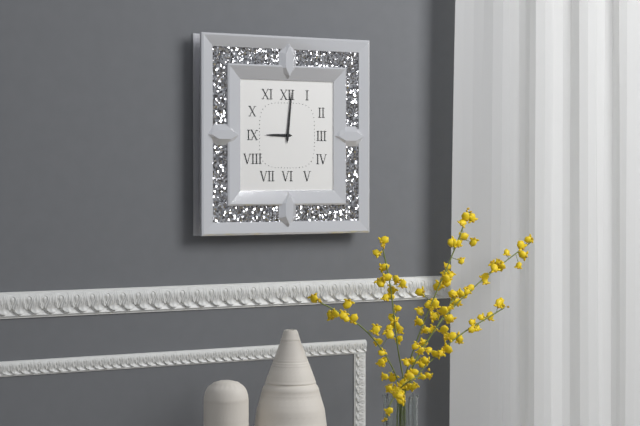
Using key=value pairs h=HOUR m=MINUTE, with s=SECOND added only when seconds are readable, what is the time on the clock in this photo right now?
h=9 m=1
